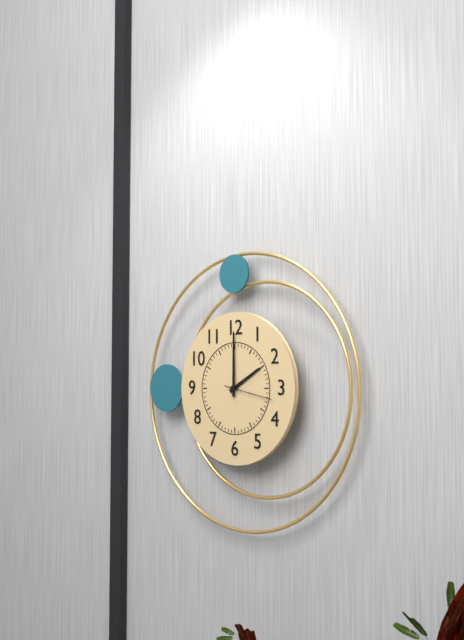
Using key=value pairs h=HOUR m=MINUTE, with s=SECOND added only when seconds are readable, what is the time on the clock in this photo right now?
h=2 m=0
